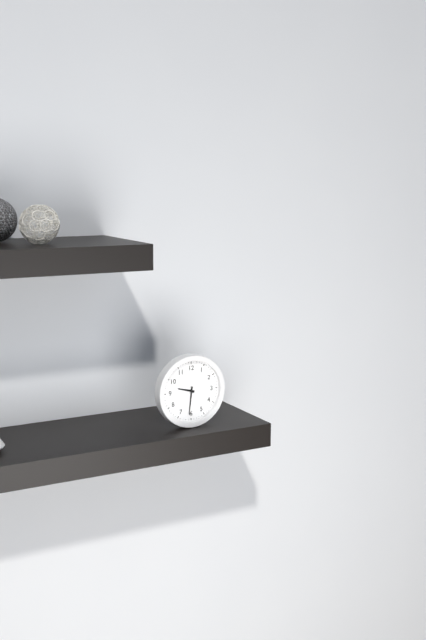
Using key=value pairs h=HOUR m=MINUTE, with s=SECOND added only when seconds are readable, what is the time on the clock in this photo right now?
h=9 m=31
